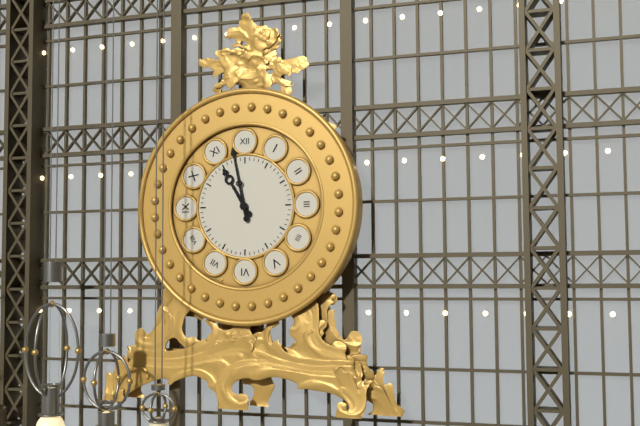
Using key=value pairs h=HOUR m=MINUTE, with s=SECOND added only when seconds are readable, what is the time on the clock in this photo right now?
h=10 m=58
